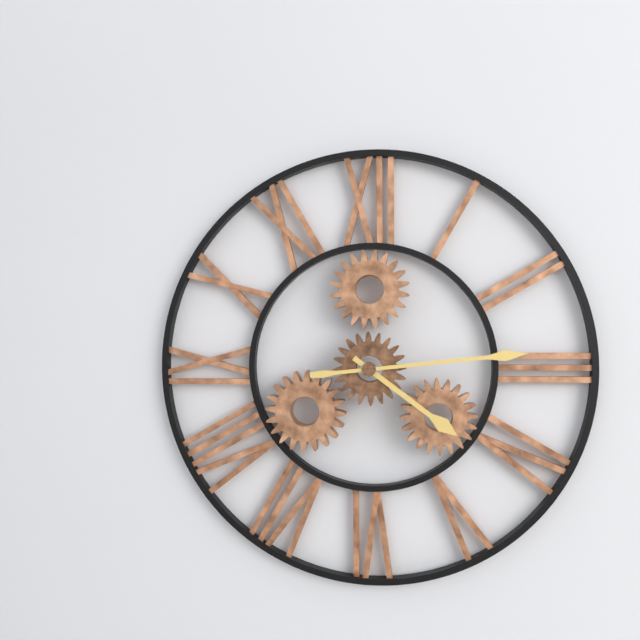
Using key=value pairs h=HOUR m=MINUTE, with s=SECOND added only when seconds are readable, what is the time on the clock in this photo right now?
h=4 m=14
